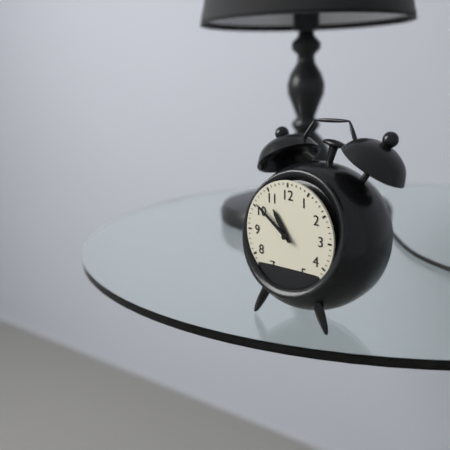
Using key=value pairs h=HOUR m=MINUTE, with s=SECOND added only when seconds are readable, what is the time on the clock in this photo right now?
h=10 m=51
